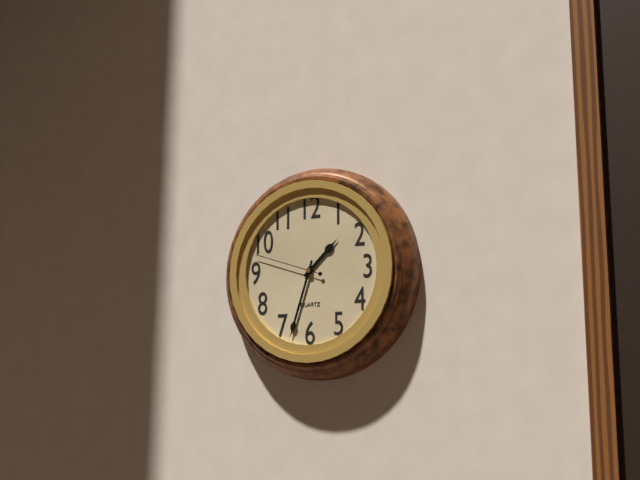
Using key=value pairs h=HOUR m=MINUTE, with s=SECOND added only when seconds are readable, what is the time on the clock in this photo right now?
h=1 m=33 s=48
